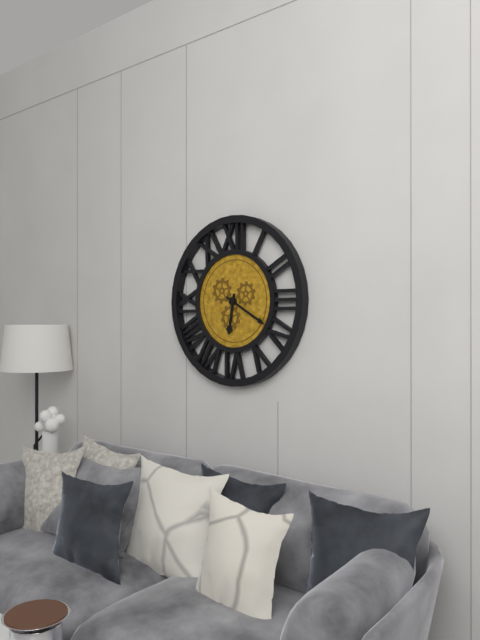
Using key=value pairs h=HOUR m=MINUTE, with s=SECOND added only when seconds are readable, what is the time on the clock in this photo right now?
h=6 m=20
